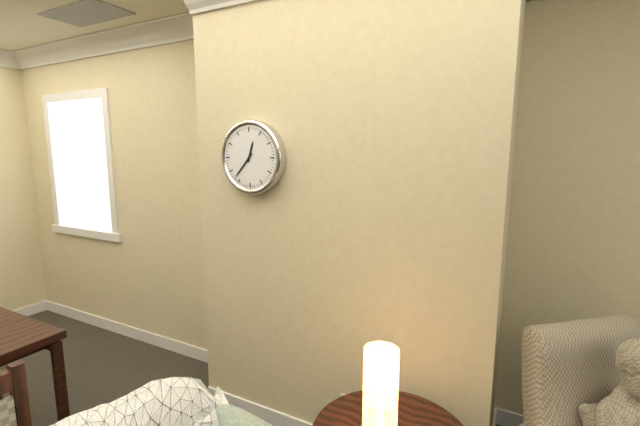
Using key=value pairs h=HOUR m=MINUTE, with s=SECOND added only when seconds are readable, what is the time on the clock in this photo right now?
h=12 m=37
